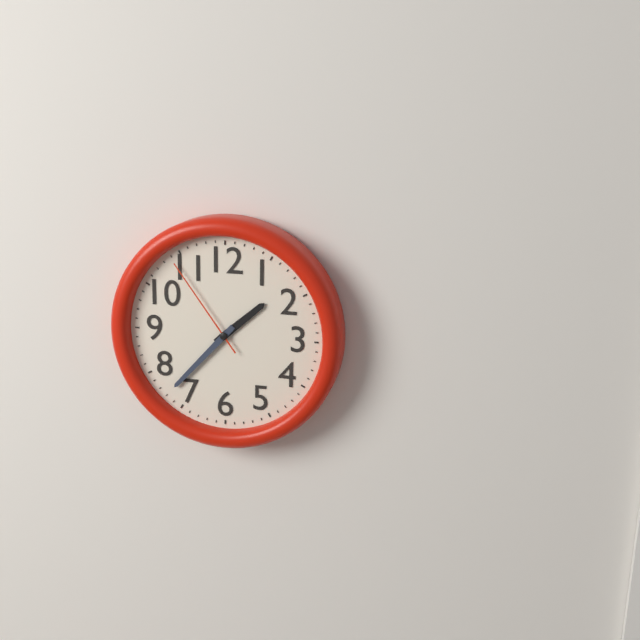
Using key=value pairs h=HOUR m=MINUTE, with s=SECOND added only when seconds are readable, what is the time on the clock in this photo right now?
h=1 m=37 s=54
